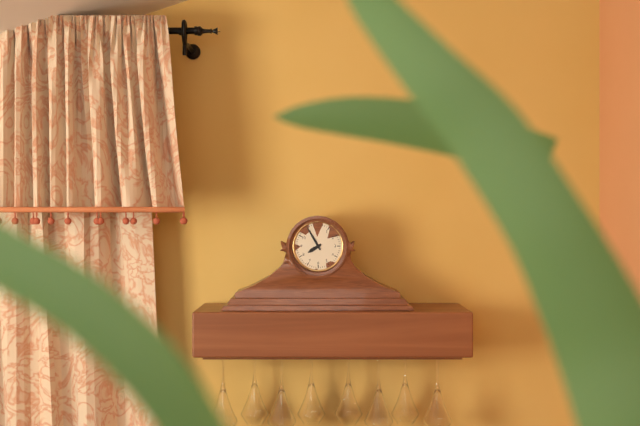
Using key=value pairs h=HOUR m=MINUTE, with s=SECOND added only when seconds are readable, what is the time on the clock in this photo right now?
h=7 m=55
